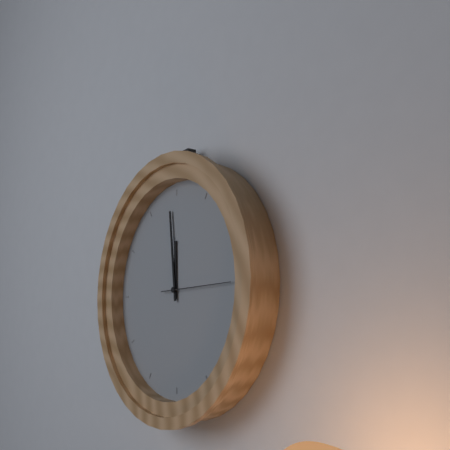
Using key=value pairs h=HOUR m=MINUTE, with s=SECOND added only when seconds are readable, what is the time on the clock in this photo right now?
h=11 m=59 s=15
